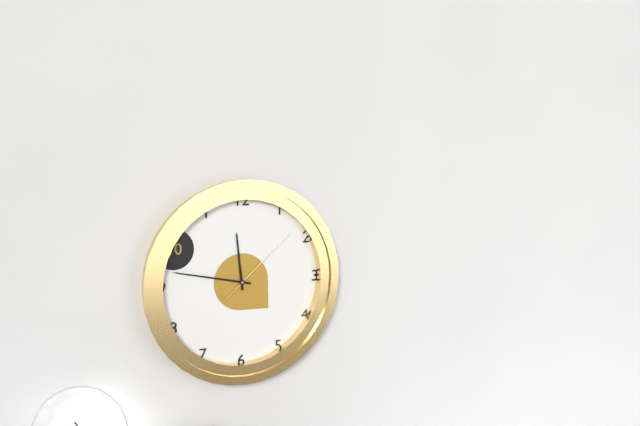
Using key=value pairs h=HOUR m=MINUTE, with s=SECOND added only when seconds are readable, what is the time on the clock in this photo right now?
h=11 m=47 s=8
